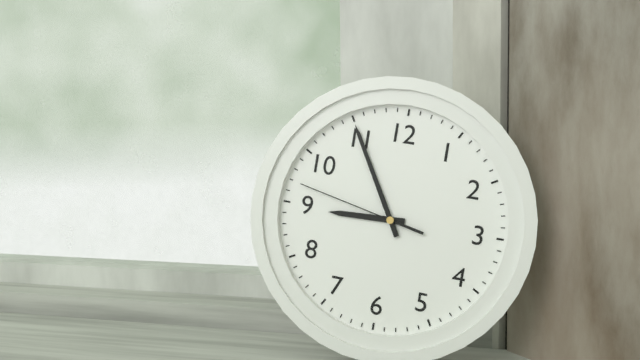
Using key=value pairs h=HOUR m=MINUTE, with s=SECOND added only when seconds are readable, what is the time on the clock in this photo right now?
h=8 m=55 s=47
